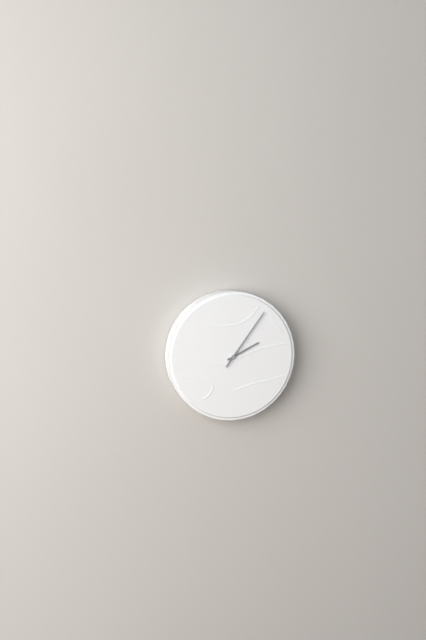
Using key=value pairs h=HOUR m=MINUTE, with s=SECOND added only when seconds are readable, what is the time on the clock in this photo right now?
h=2 m=6
